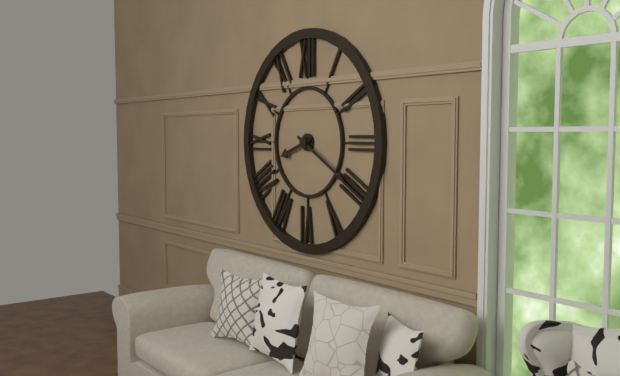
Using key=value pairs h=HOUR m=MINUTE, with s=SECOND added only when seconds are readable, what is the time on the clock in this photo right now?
h=8 m=20
